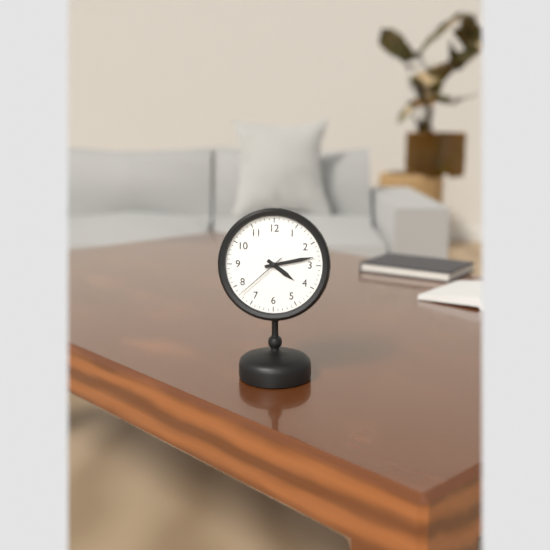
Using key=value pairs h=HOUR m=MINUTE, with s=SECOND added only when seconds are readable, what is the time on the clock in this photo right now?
h=4 m=13 s=38
